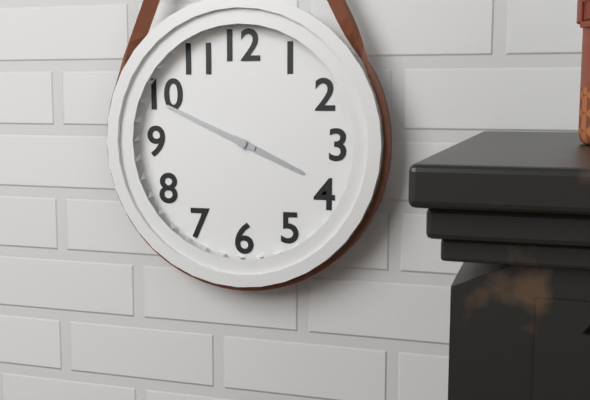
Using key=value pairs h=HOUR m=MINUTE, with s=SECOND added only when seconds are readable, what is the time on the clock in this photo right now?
h=3 m=49
